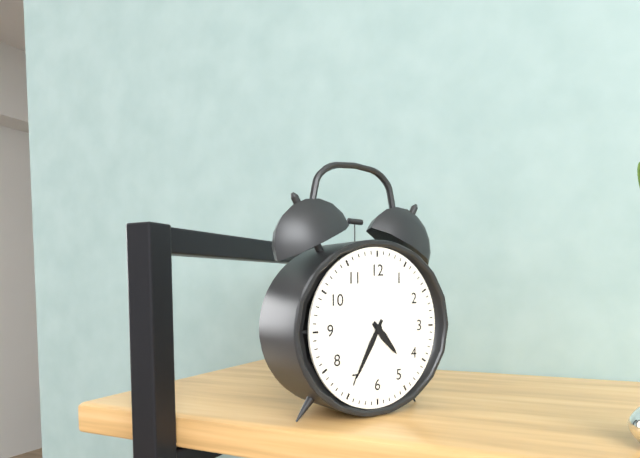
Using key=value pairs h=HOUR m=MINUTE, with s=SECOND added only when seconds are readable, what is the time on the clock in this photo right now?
h=4 m=35
